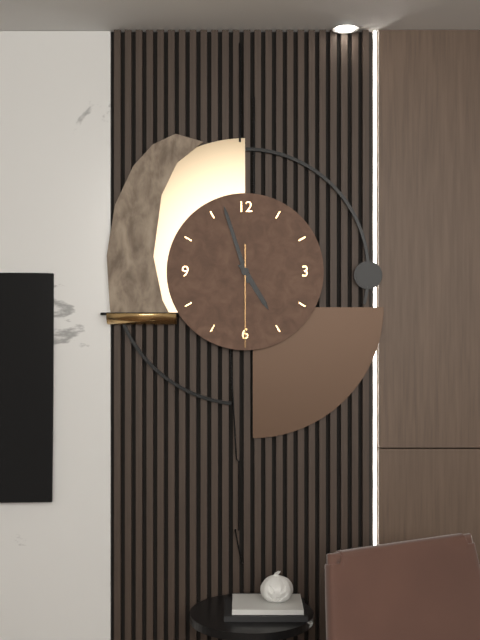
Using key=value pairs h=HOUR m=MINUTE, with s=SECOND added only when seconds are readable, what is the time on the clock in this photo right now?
h=4 m=57 s=30
